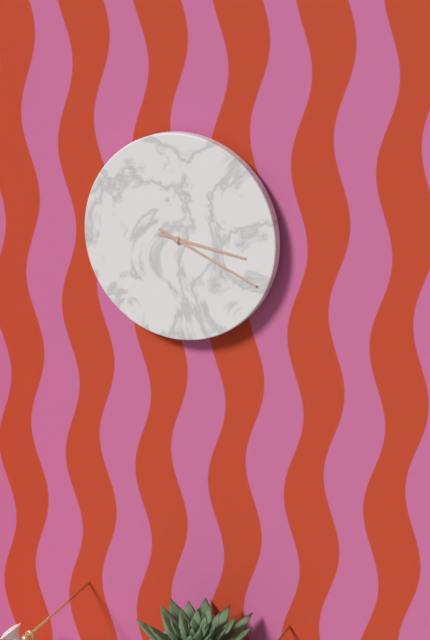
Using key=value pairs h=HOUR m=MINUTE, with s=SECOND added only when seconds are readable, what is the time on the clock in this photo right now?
h=3 m=19
